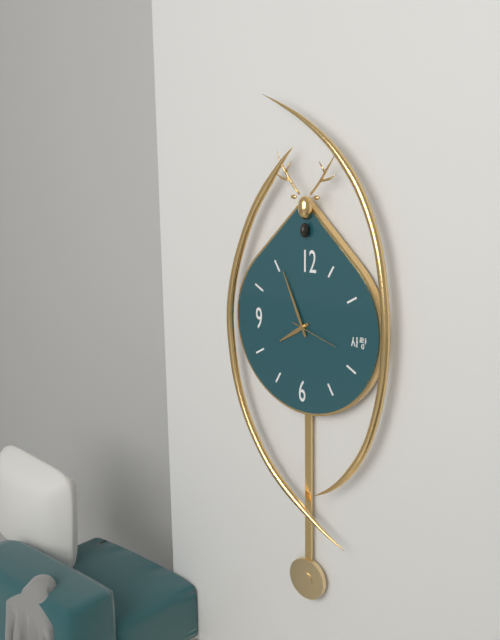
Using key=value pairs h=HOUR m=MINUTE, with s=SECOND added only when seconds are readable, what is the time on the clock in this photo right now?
h=7 m=56
